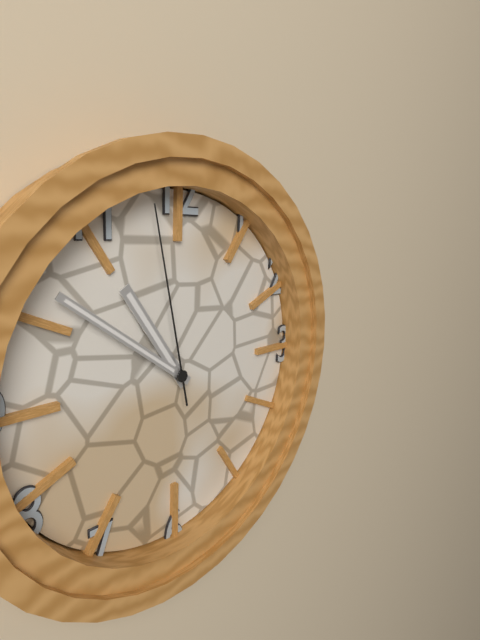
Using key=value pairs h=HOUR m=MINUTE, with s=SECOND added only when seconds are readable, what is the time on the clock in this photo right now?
h=10 m=51 s=58
